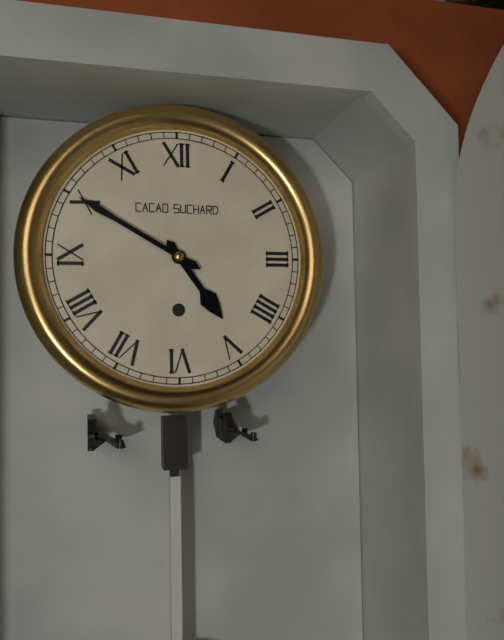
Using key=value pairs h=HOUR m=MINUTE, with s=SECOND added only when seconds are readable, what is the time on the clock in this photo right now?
h=4 m=50
